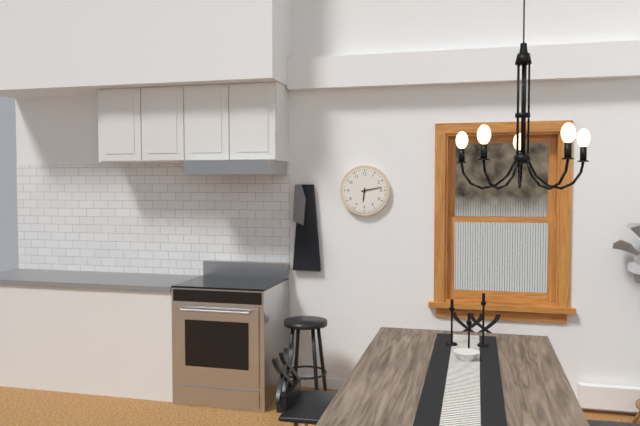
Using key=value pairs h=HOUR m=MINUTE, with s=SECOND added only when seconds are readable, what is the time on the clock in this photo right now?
h=6 m=13
